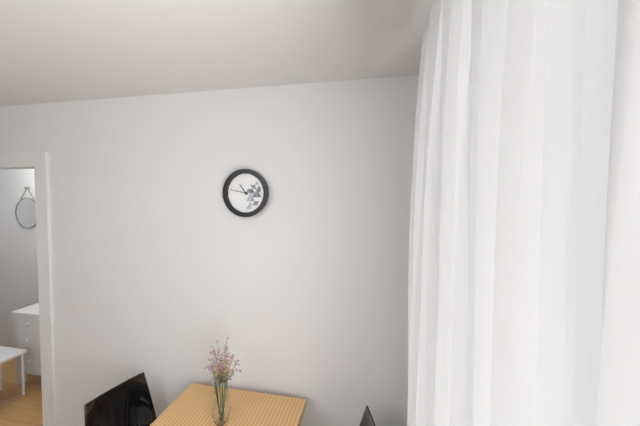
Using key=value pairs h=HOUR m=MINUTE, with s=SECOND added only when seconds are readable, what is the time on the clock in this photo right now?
h=10 m=47
